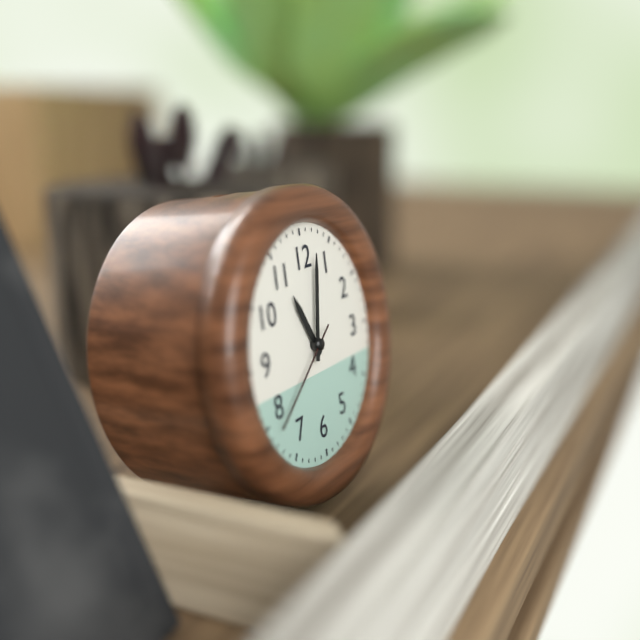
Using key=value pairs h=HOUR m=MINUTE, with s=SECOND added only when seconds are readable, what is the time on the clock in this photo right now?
h=11 m=2 s=39
